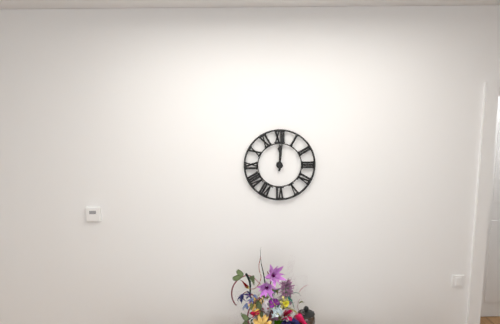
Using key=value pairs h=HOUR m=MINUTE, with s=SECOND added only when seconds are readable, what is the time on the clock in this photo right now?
h=12 m=1
